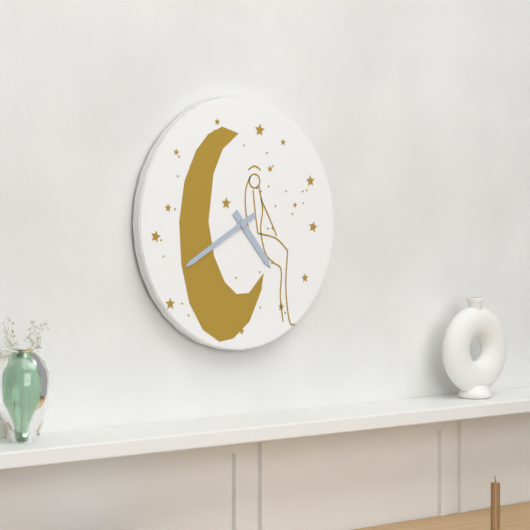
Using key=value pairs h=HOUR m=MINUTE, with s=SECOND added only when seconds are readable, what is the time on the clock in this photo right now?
h=4 m=40
